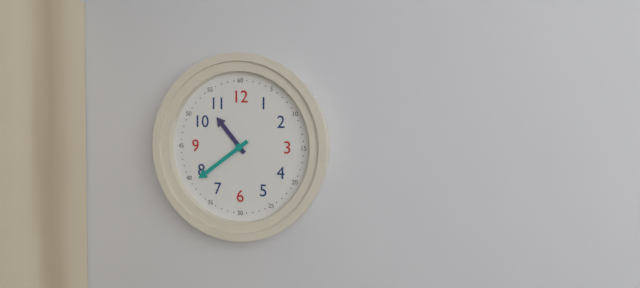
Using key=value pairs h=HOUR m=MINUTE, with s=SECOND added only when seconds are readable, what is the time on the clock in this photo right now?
h=10 m=39
